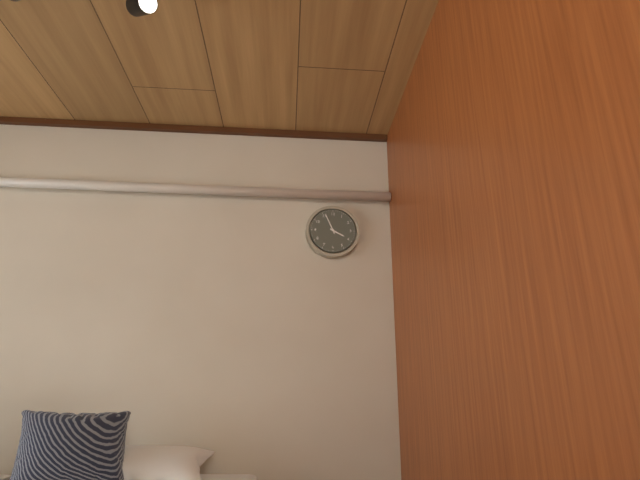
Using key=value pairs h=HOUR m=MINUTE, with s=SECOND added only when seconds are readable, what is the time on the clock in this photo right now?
h=3 m=56
